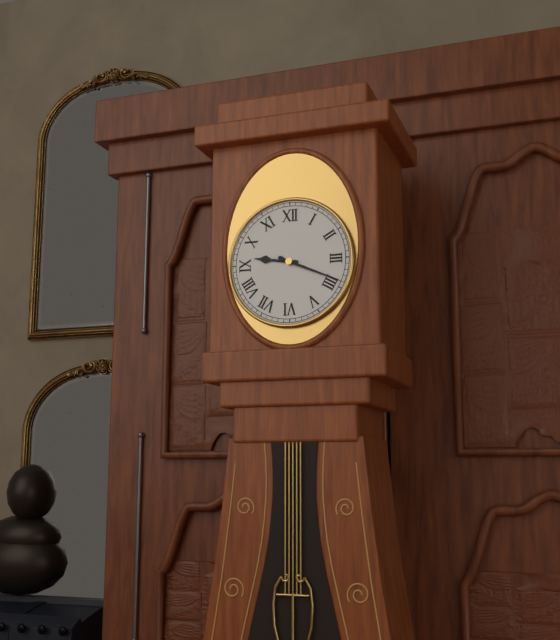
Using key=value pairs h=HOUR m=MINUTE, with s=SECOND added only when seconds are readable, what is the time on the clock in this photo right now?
h=9 m=19
